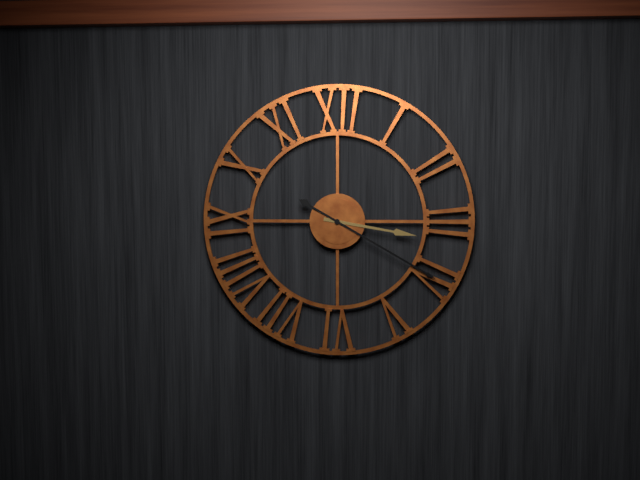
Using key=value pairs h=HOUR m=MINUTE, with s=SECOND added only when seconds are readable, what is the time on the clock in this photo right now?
h=3 m=20
